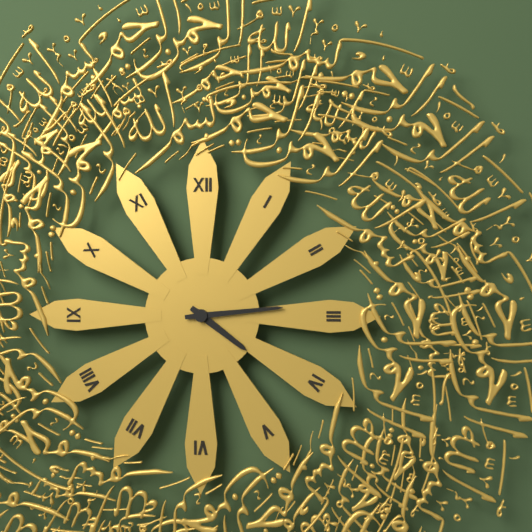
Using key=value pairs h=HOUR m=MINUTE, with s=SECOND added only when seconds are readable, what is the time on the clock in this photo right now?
h=4 m=14
